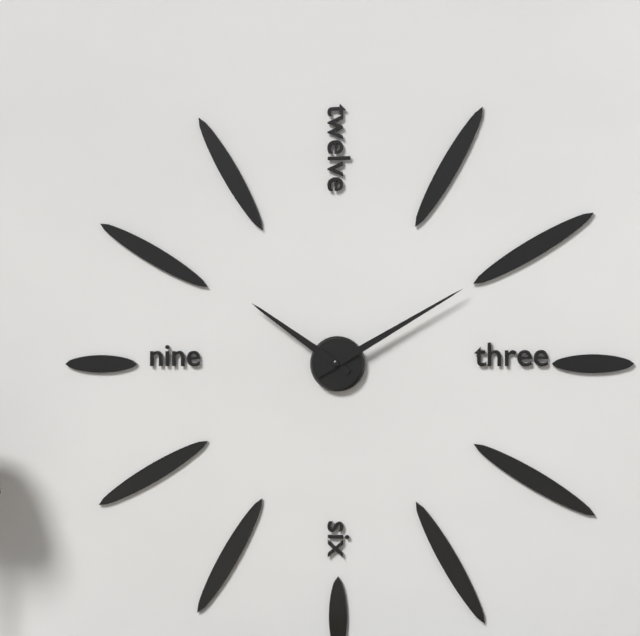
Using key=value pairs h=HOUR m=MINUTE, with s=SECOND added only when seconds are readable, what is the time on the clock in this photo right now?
h=10 m=10
